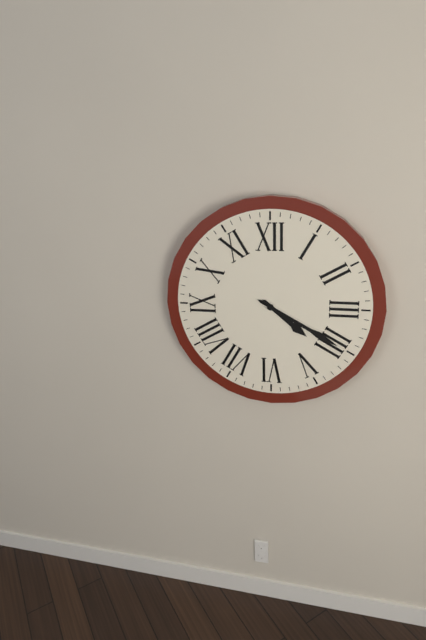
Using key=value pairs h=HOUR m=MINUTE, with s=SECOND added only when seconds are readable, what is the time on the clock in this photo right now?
h=4 m=20
